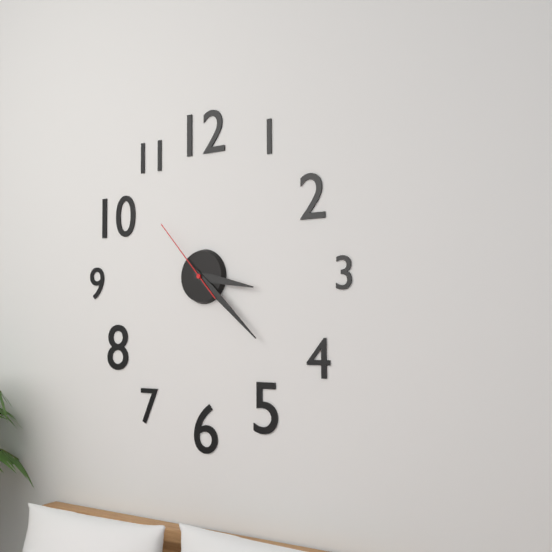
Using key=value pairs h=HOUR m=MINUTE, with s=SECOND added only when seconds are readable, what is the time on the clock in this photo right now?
h=3 m=22 s=53
